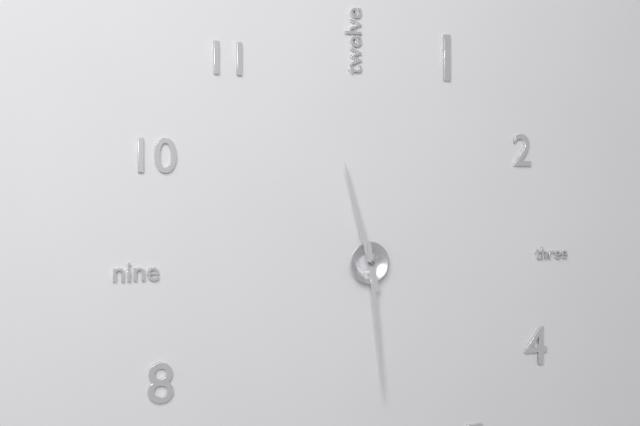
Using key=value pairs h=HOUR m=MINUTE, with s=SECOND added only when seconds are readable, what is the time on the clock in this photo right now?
h=11 m=29
